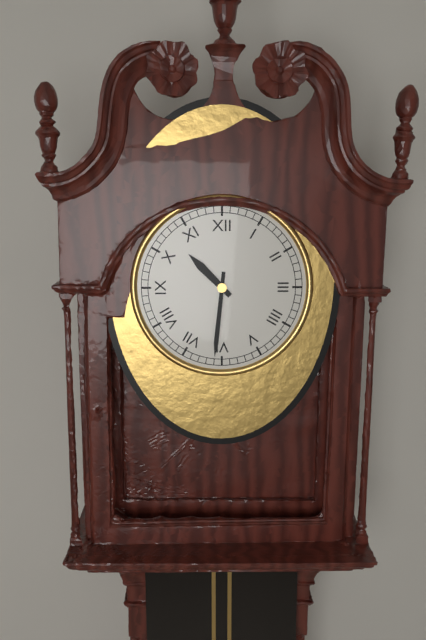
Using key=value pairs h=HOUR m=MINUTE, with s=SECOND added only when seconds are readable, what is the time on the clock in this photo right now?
h=10 m=31
